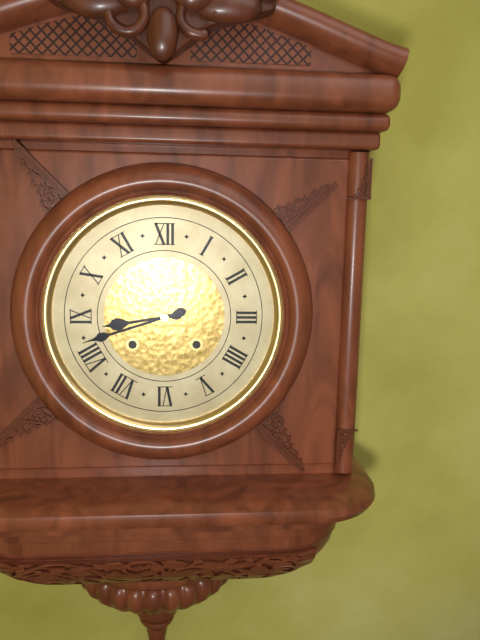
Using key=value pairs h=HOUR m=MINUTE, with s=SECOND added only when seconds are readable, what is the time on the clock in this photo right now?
h=8 m=42
